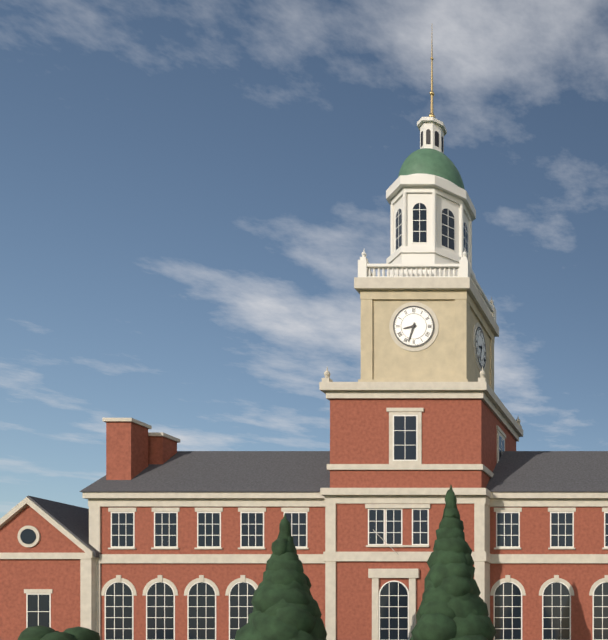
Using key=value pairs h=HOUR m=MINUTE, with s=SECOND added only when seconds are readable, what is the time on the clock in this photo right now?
h=8 m=33
